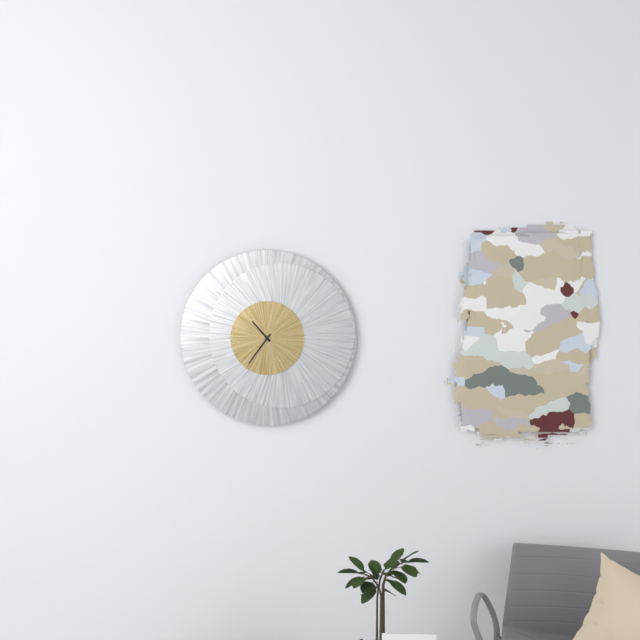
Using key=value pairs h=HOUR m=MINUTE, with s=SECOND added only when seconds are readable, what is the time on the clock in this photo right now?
h=10 m=36
